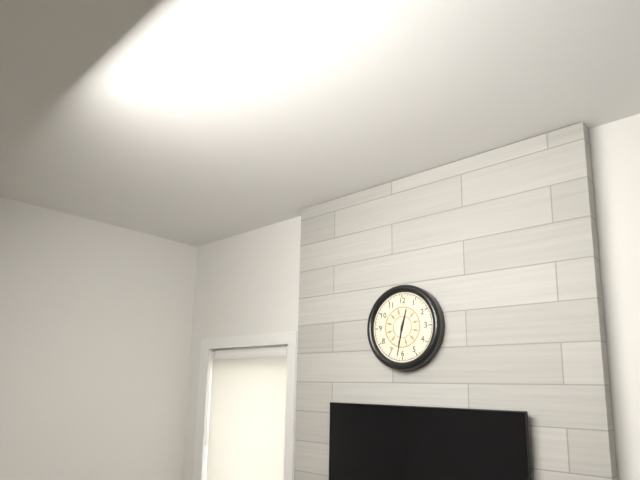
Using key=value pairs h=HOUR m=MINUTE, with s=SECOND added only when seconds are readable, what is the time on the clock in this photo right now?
h=12 m=32
